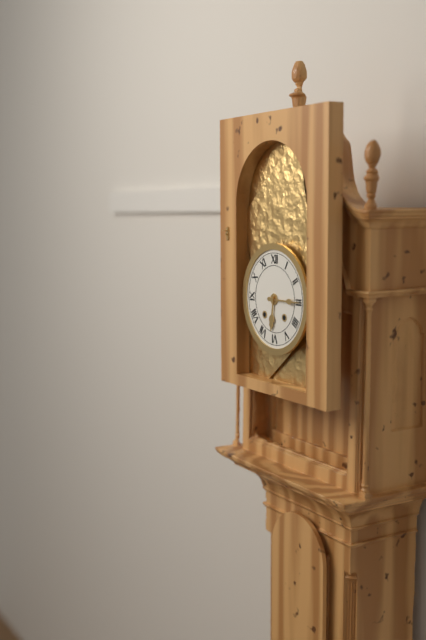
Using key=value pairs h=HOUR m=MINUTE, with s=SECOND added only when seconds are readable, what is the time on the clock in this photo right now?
h=6 m=15
